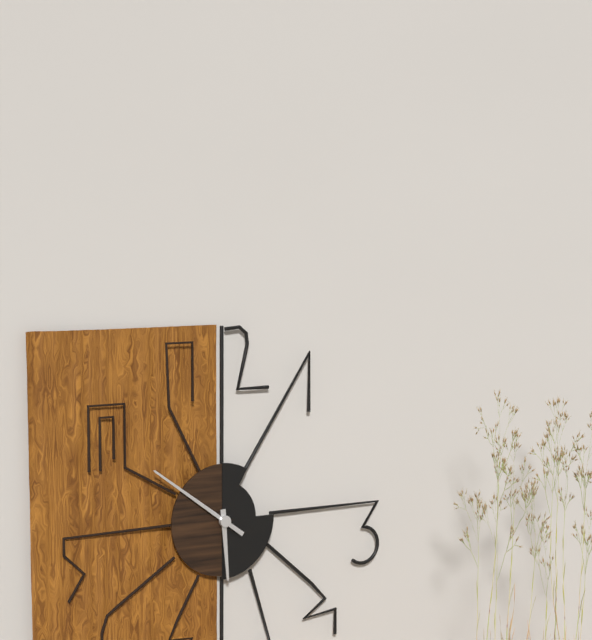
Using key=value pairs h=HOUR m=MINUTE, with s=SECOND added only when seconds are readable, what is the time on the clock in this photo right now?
h=5 m=51
